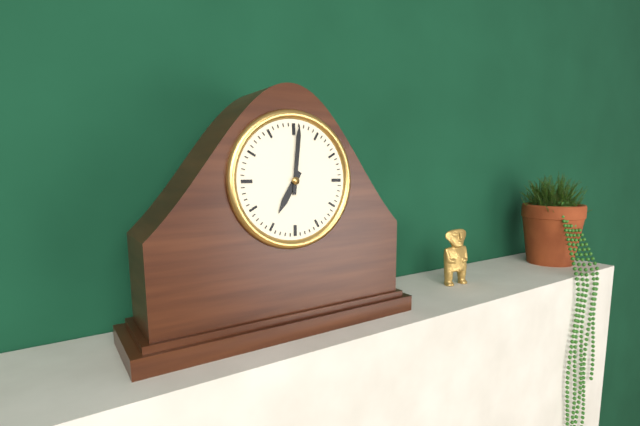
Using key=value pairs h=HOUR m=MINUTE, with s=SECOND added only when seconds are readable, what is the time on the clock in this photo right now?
h=7 m=1
